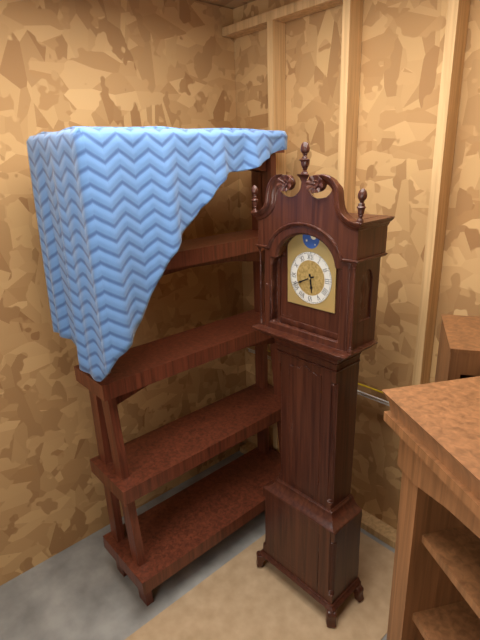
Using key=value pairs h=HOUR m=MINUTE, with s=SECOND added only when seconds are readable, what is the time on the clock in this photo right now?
h=5 m=41
